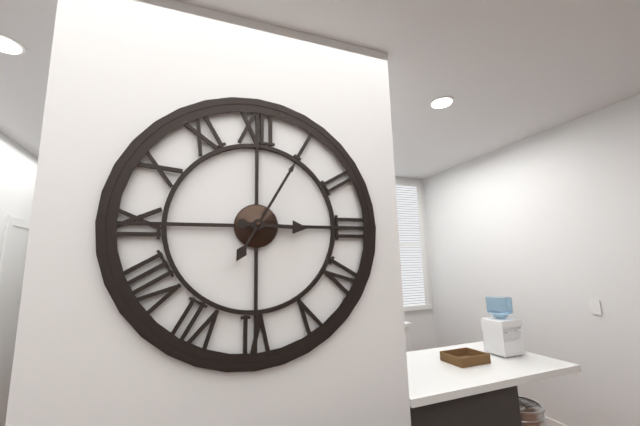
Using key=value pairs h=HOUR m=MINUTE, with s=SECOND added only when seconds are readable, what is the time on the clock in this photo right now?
h=3 m=5
